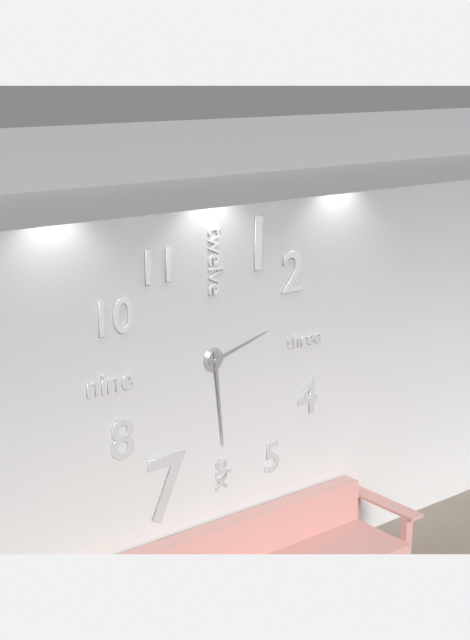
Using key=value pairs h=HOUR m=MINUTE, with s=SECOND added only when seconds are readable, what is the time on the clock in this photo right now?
h=2 m=29
